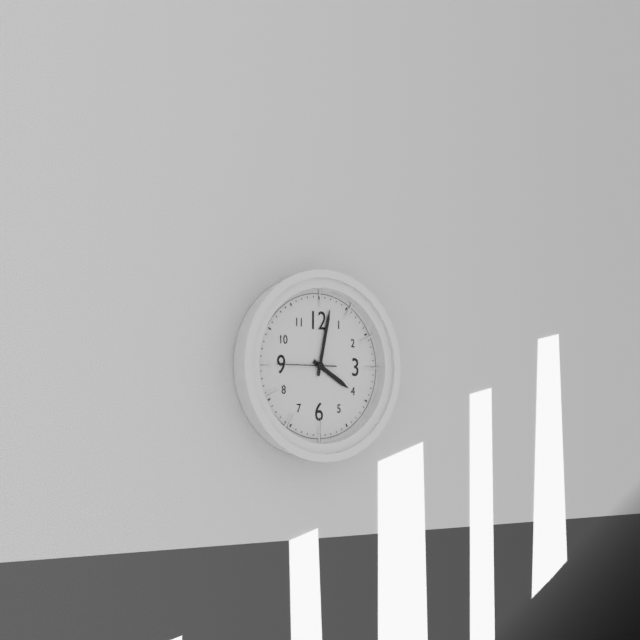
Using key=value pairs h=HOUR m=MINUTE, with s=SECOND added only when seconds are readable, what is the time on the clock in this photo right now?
h=4 m=2 s=45
